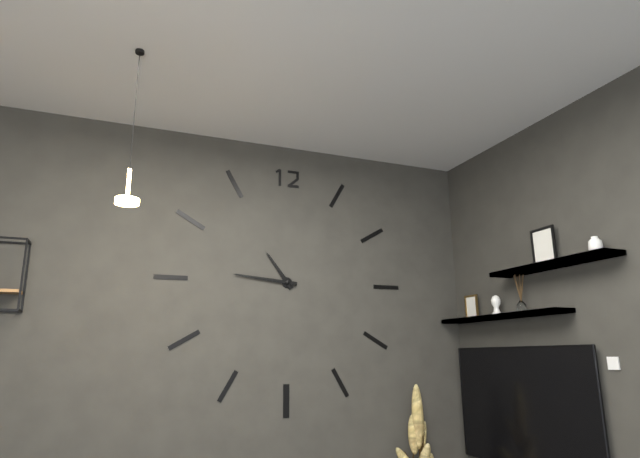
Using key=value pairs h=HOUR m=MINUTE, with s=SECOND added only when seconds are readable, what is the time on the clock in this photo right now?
h=10 m=46
